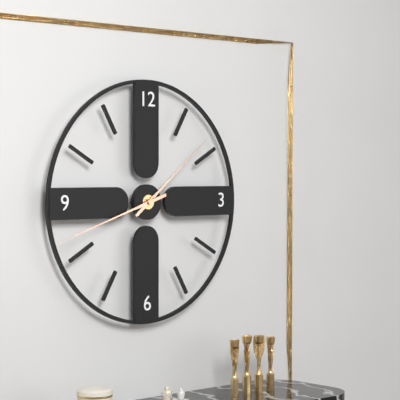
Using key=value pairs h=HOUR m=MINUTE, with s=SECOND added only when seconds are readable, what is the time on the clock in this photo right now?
h=1 m=42
